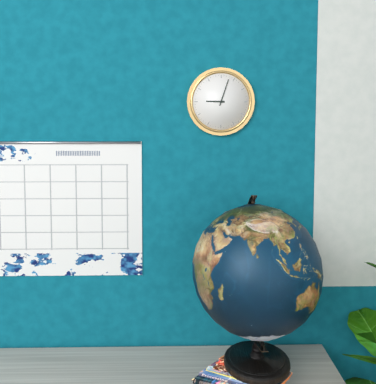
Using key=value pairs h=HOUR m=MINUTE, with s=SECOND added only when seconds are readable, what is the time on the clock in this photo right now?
h=9 m=3
